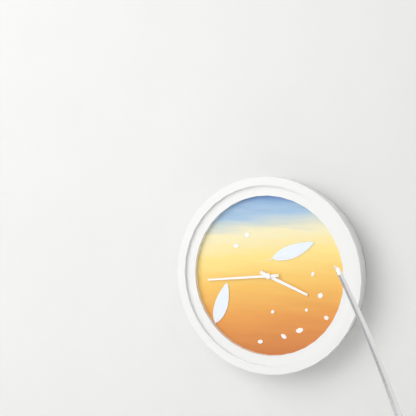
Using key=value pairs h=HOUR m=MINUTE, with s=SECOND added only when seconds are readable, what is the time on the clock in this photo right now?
h=3 m=44
